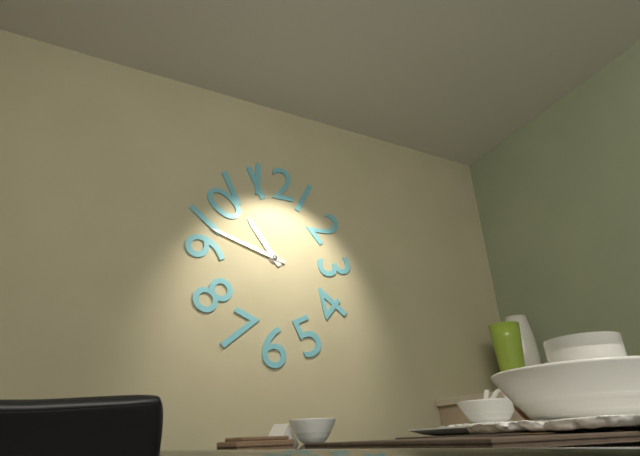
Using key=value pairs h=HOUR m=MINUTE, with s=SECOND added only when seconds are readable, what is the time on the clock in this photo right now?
h=10 m=48
